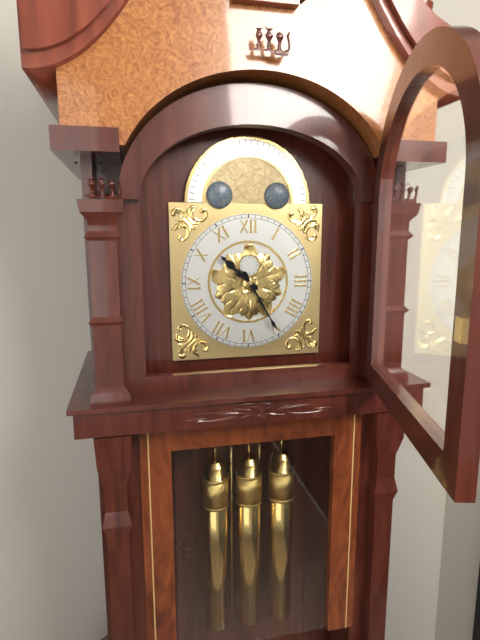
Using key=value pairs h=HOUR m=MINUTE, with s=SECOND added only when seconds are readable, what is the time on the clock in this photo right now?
h=10 m=25
